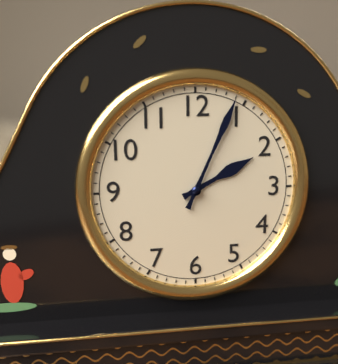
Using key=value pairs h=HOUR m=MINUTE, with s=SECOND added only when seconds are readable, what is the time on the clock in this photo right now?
h=2 m=4
